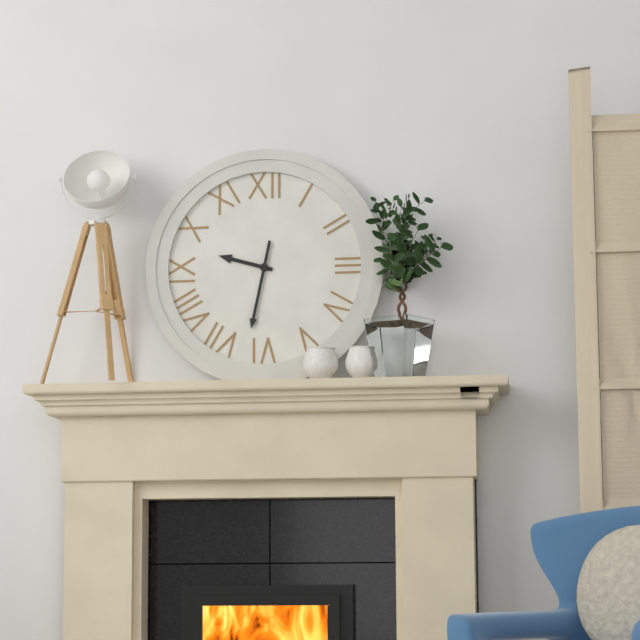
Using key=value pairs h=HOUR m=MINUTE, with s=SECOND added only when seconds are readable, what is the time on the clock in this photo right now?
h=9 m=32
